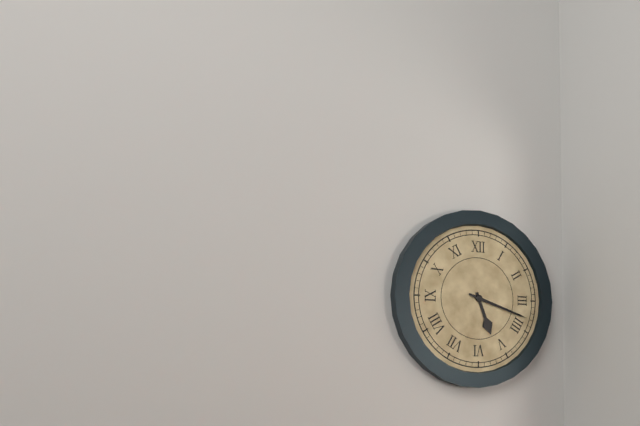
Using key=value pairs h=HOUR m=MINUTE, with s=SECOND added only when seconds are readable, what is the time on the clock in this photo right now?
h=5 m=18
